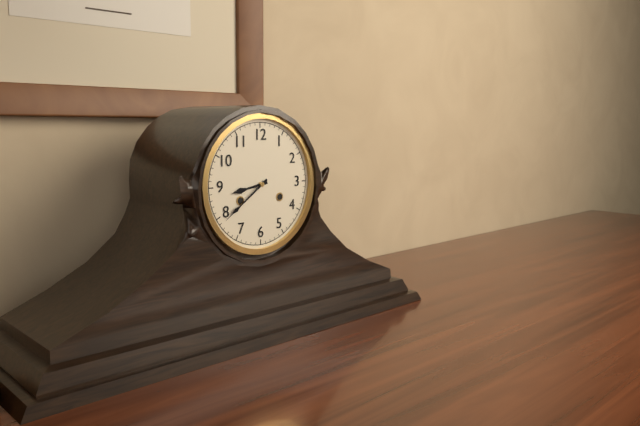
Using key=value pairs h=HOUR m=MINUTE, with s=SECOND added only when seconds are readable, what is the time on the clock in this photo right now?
h=8 m=39
